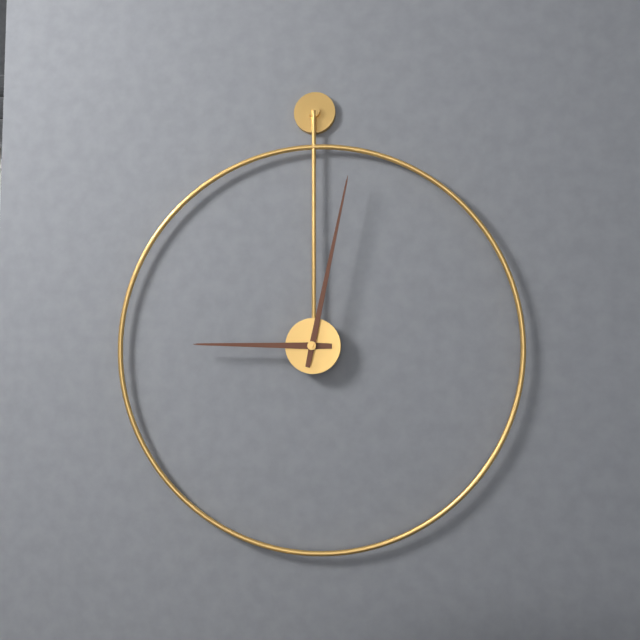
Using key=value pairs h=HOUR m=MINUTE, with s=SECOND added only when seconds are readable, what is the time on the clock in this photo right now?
h=9 m=2
